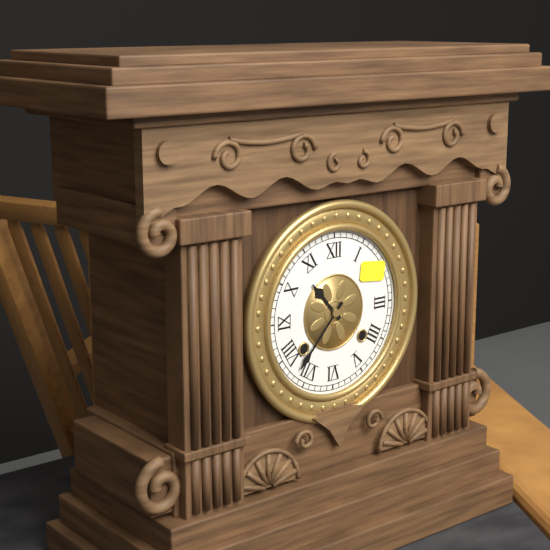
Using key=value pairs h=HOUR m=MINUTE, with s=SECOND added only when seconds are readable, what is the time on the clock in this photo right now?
h=10 m=37
